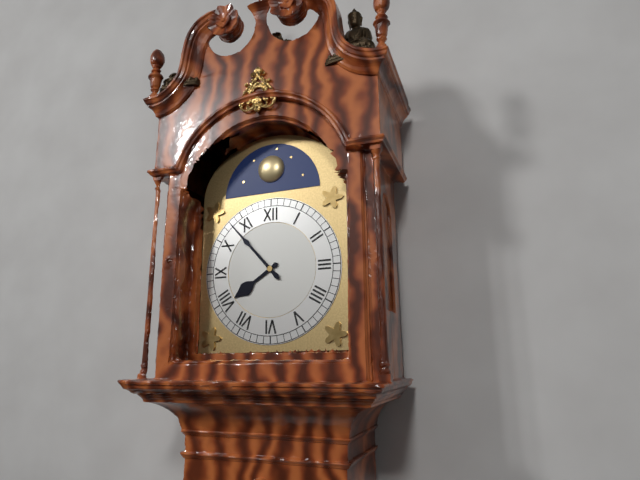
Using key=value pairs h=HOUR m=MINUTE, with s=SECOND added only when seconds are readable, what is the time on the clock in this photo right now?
h=7 m=53
